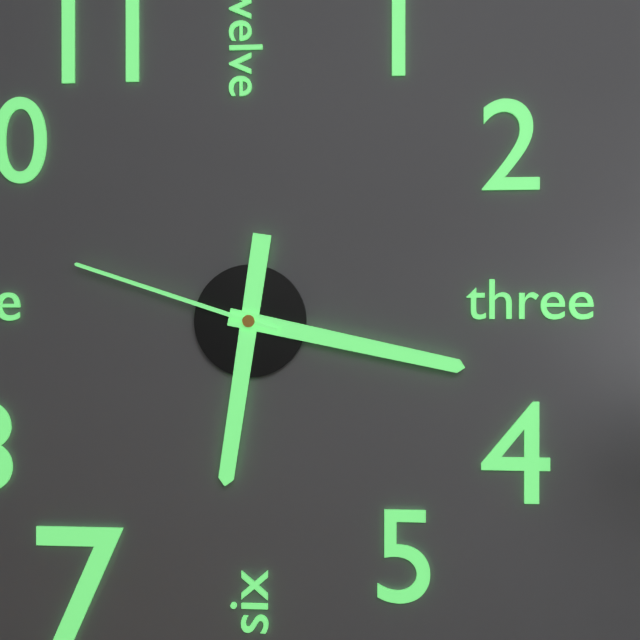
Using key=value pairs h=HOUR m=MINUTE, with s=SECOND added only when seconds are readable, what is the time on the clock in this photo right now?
h=6 m=17 s=48
